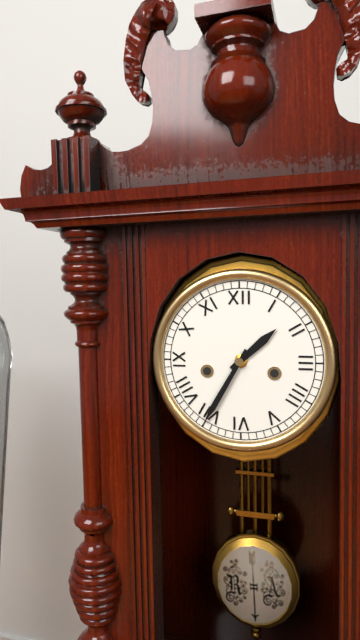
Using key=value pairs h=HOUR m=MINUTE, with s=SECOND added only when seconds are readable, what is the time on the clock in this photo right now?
h=1 m=35
